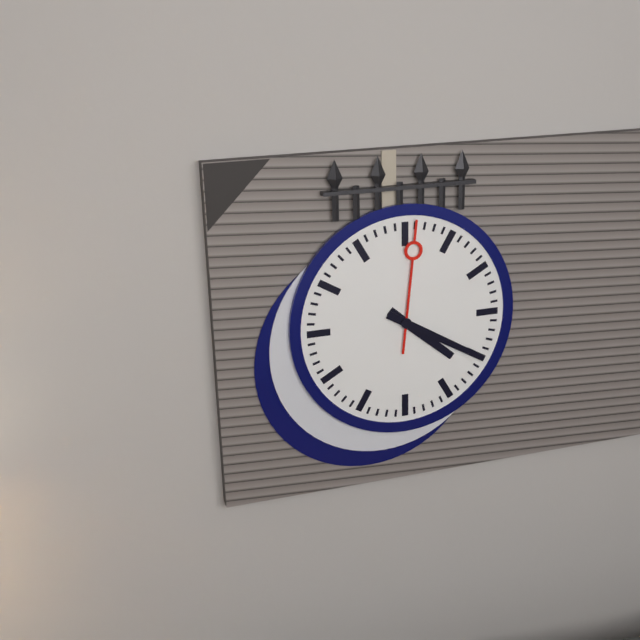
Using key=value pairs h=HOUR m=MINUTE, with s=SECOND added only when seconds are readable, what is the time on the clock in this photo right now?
h=4 m=20 s=1
